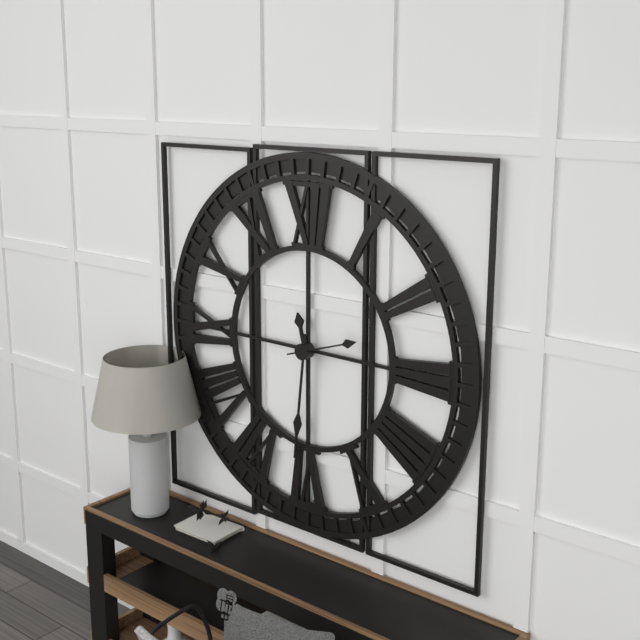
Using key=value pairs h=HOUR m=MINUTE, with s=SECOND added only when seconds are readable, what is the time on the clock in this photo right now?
h=11 m=31 s=12
